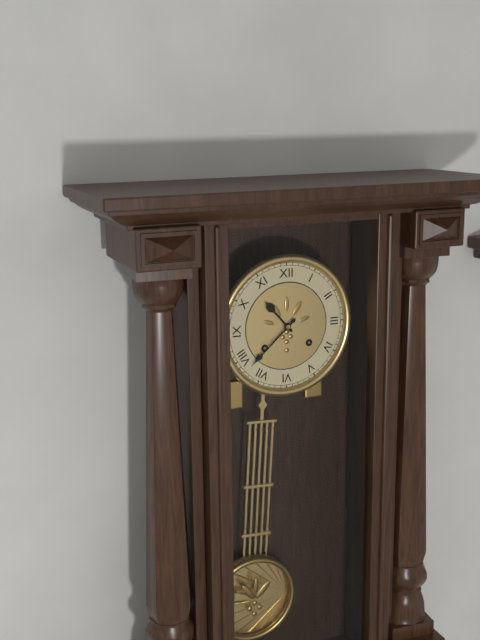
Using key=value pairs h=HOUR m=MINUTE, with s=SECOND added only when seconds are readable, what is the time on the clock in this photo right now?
h=10 m=38
